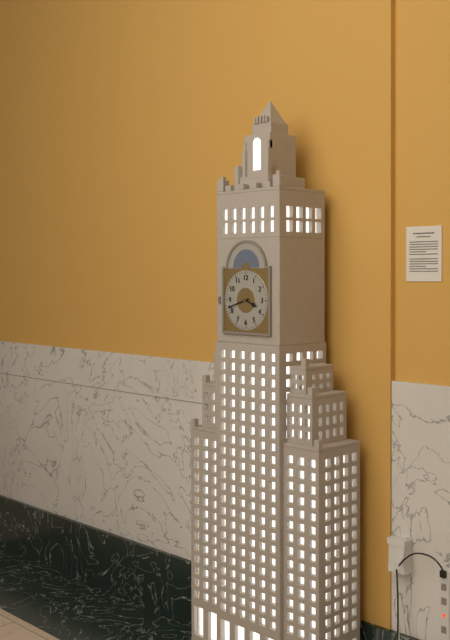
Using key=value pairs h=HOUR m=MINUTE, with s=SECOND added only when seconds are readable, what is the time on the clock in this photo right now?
h=3 m=42
